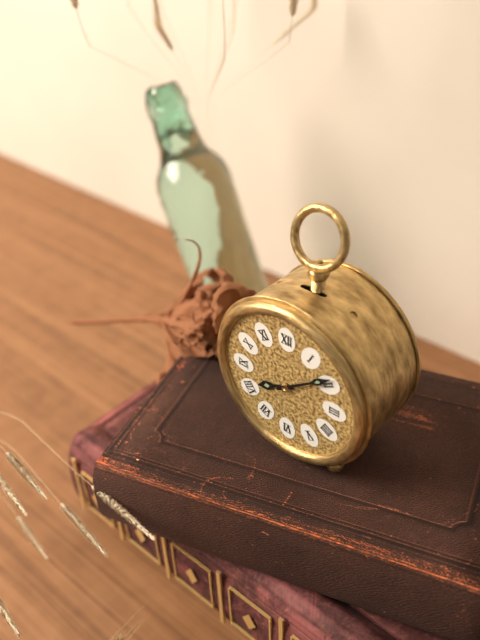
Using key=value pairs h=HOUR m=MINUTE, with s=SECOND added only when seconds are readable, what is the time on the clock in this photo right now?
h=8 m=9
